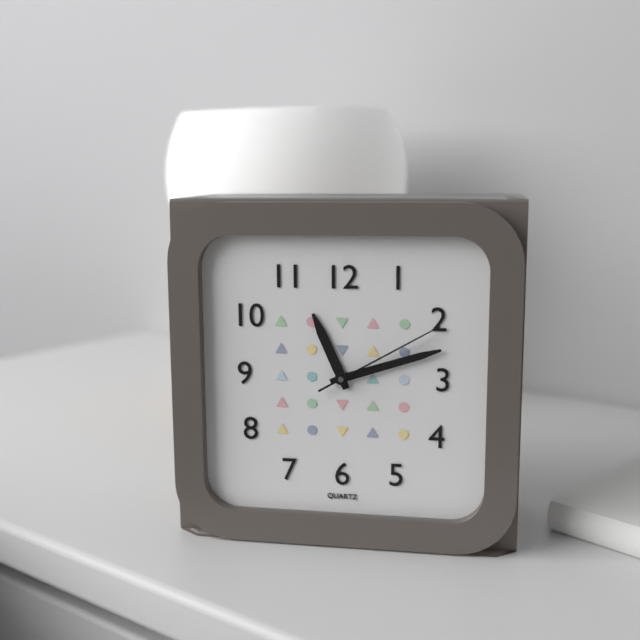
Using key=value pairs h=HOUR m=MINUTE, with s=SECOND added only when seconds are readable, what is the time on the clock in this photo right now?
h=11 m=12 s=10
